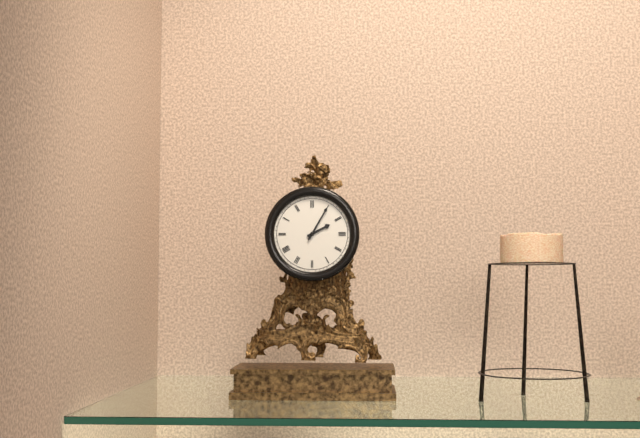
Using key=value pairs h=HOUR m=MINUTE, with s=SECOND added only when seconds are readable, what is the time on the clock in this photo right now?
h=2 m=5
